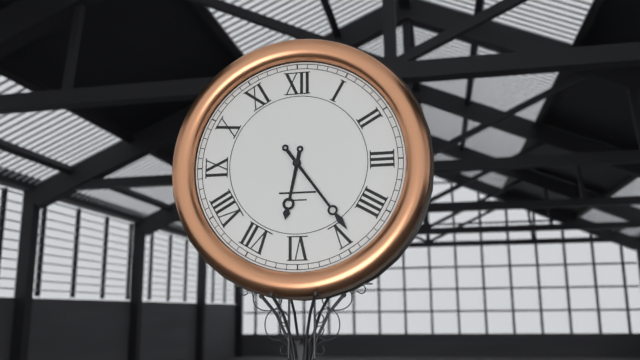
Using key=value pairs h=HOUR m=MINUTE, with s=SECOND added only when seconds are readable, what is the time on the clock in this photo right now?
h=6 m=24
